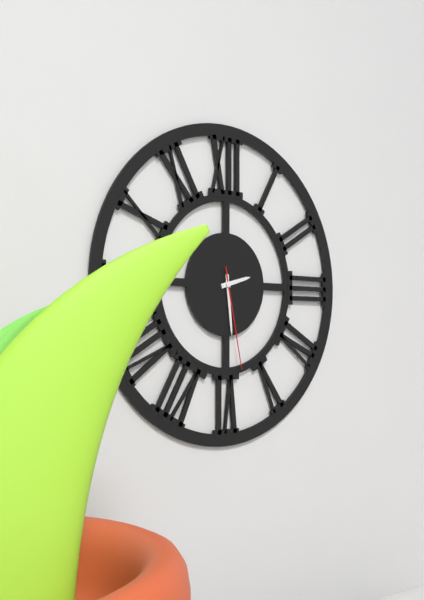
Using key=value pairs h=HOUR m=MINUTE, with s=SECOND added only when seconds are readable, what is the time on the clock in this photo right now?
h=2 m=29 s=28
